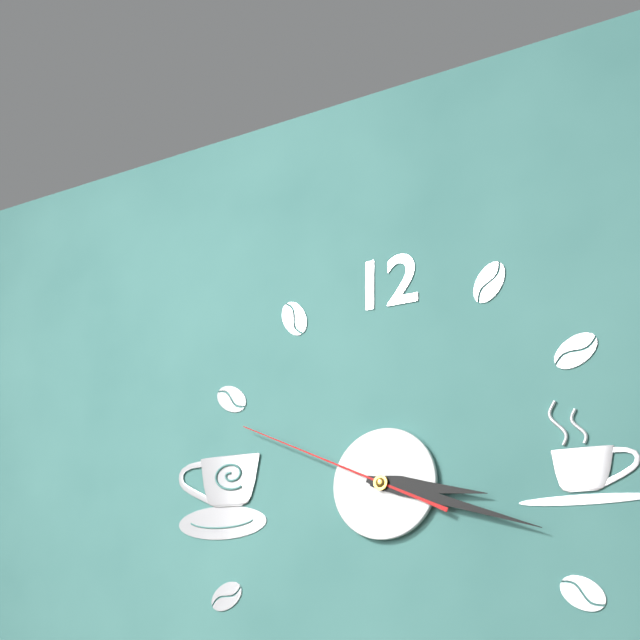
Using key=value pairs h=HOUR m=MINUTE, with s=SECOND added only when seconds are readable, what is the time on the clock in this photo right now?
h=3 m=18 s=49
